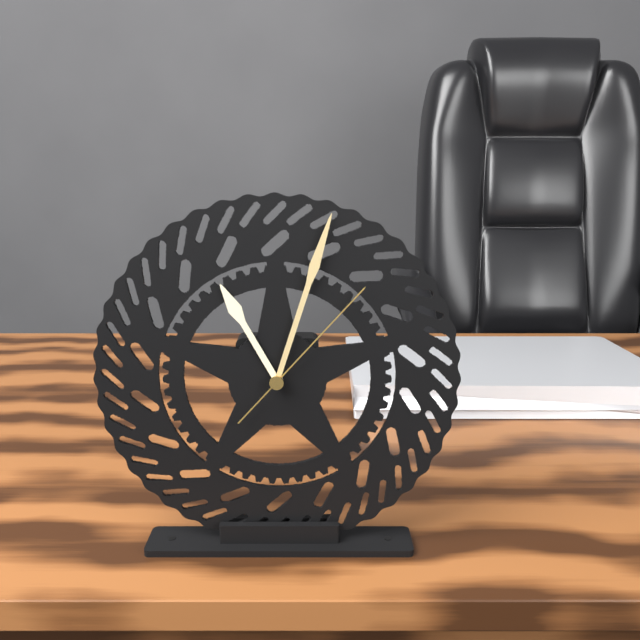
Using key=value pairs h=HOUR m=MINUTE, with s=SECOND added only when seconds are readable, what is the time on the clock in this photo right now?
h=11 m=3 s=7
